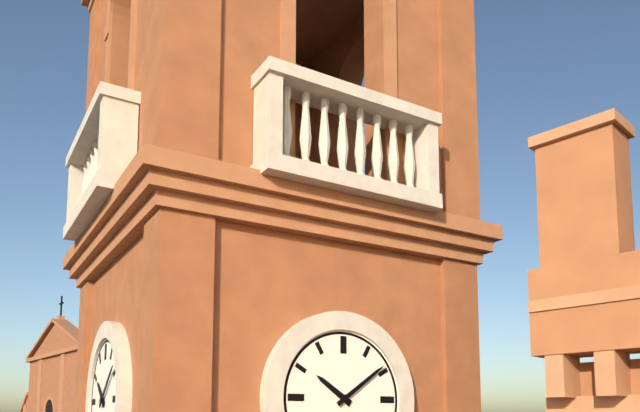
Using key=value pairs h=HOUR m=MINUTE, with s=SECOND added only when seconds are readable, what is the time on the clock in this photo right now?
h=10 m=9
